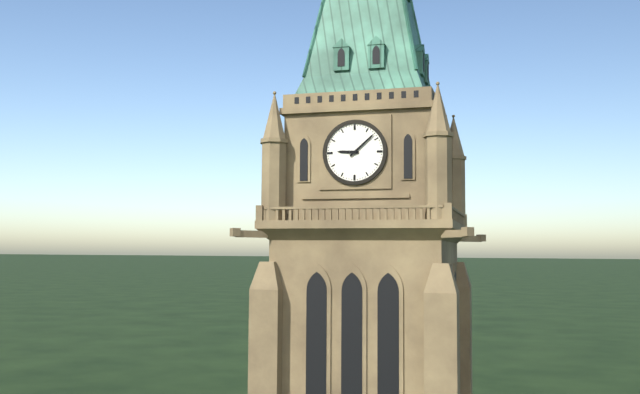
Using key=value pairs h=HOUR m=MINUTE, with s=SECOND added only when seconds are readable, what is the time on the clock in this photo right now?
h=9 m=8
